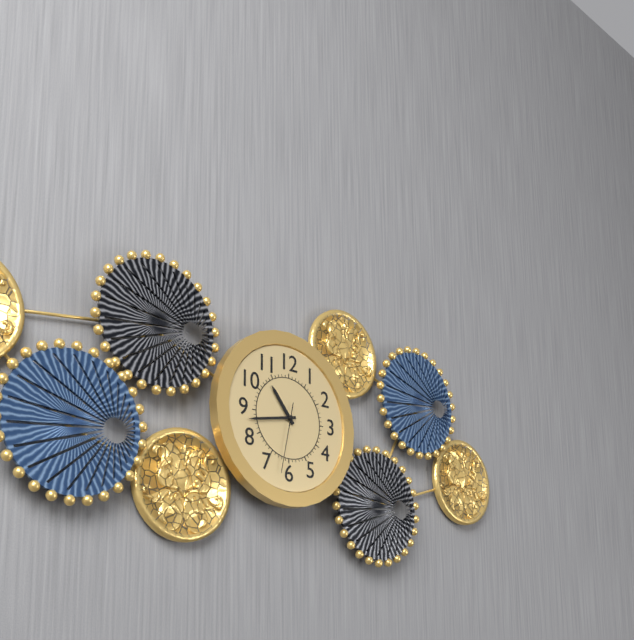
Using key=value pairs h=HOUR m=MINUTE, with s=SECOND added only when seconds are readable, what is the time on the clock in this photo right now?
h=10 m=43 s=32
